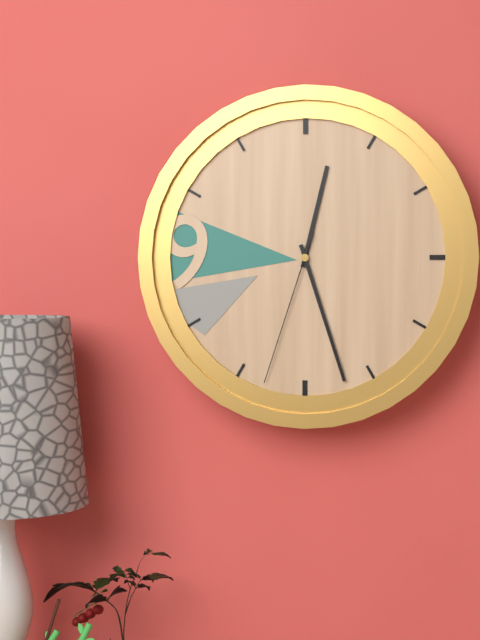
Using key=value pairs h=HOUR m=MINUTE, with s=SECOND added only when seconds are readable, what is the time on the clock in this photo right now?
h=12 m=27 s=33
